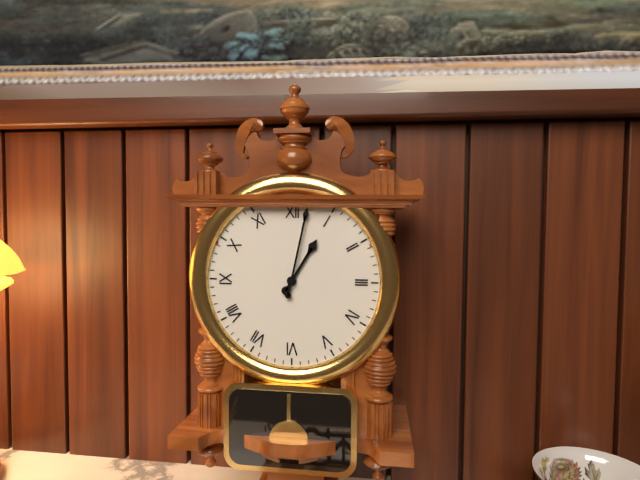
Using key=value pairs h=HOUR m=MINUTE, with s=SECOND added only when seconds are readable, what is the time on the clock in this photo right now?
h=1 m=2
